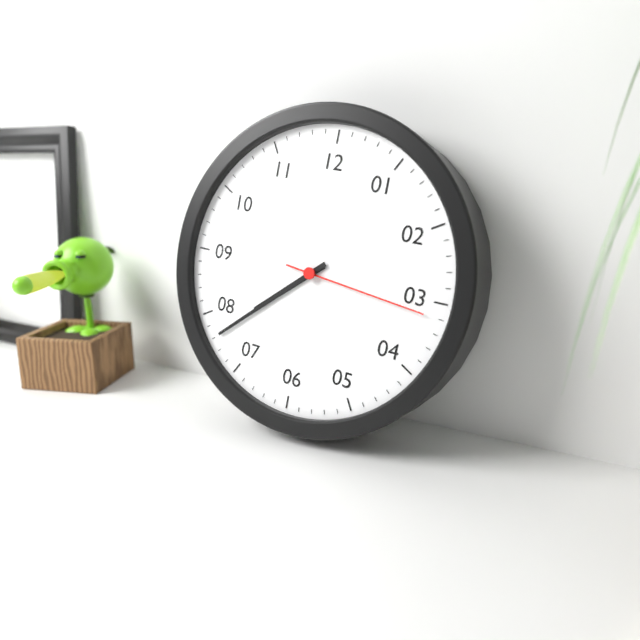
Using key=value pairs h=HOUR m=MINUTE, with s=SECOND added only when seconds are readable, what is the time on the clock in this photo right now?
h=7 m=38 s=16
